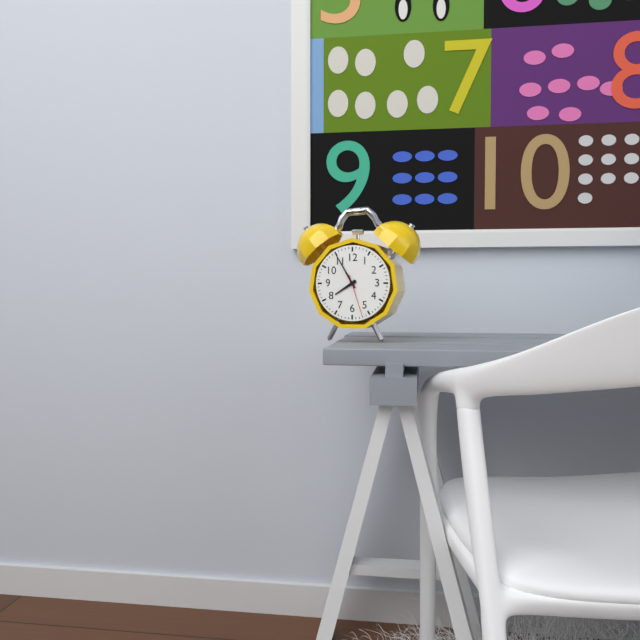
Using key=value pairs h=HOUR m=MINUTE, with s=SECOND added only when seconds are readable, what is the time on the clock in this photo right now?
h=7 m=55
